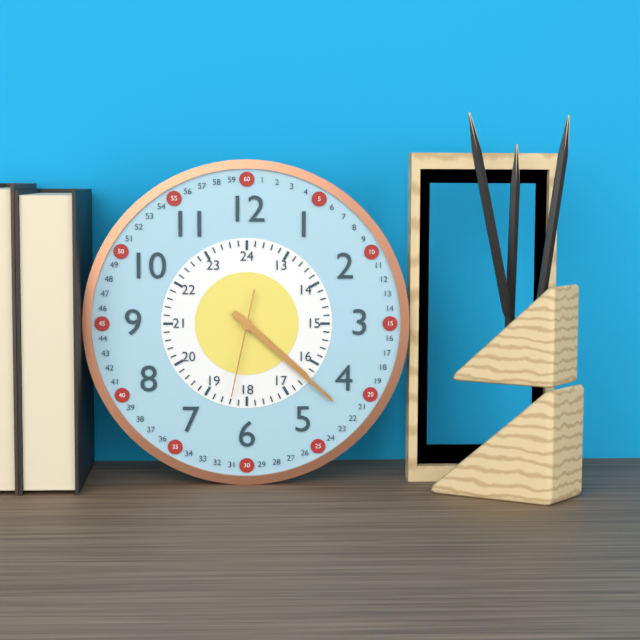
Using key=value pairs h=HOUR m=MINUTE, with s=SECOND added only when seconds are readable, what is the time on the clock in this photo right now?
h=4 m=22 s=32
